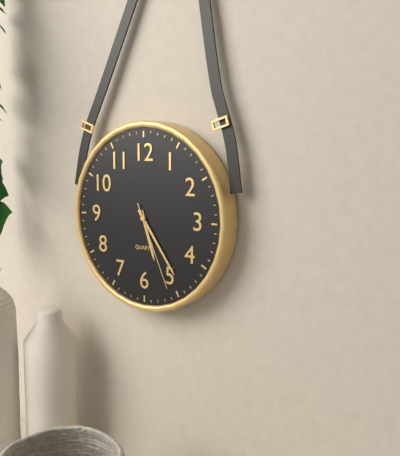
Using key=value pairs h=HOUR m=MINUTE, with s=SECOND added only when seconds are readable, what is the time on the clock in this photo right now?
h=5 m=24 s=26
